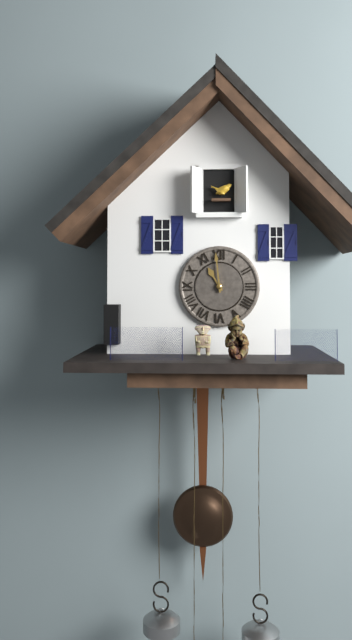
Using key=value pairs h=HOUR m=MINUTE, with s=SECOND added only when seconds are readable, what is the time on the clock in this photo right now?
h=10 m=59
